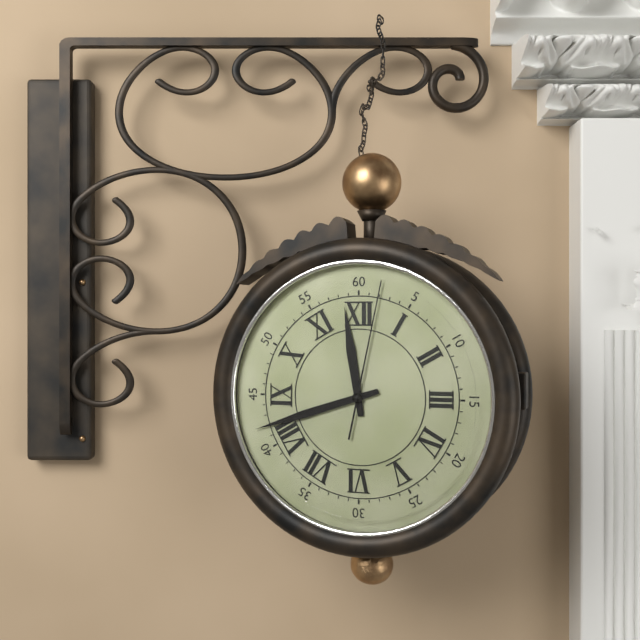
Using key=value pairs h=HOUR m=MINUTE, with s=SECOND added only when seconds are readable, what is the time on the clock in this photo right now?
h=11 m=42 s=2
